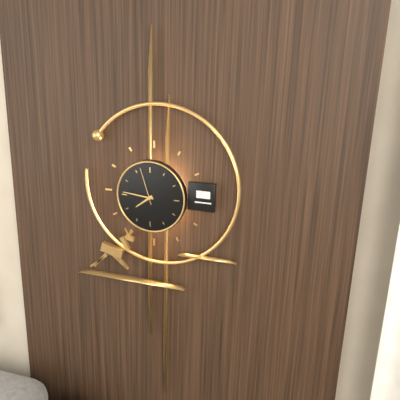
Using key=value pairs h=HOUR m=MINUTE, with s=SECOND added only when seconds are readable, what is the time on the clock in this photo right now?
h=7 m=46
